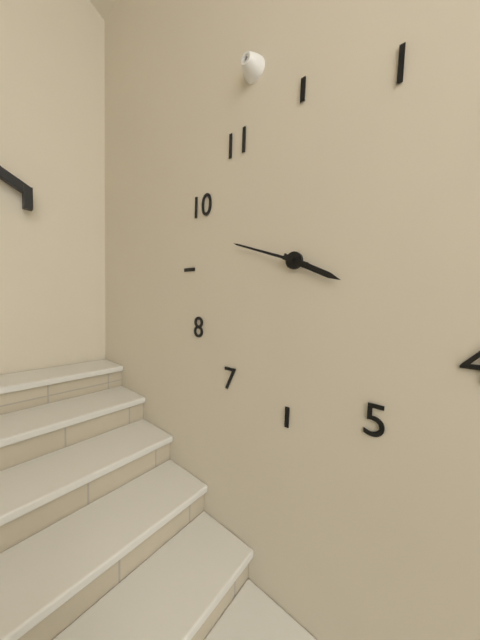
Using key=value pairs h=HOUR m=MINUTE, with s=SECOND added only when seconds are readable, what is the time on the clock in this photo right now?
h=3 m=48
